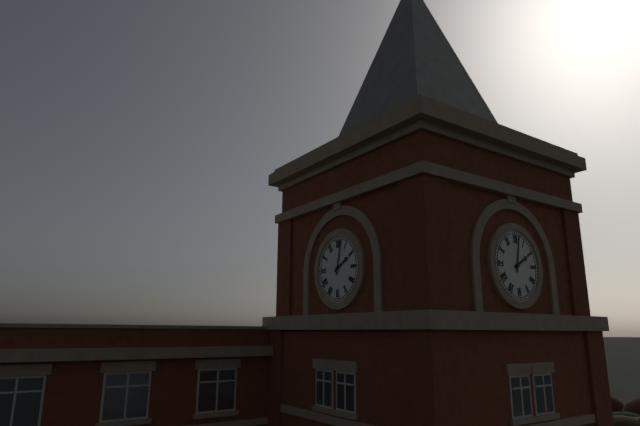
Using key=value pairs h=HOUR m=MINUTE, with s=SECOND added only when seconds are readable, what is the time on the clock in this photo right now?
h=2 m=2
